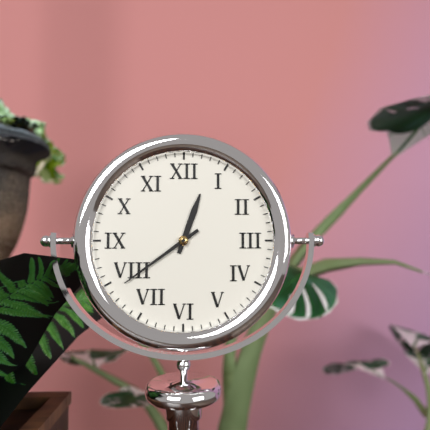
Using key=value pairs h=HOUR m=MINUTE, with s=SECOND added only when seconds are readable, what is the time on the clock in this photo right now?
h=12 m=39
